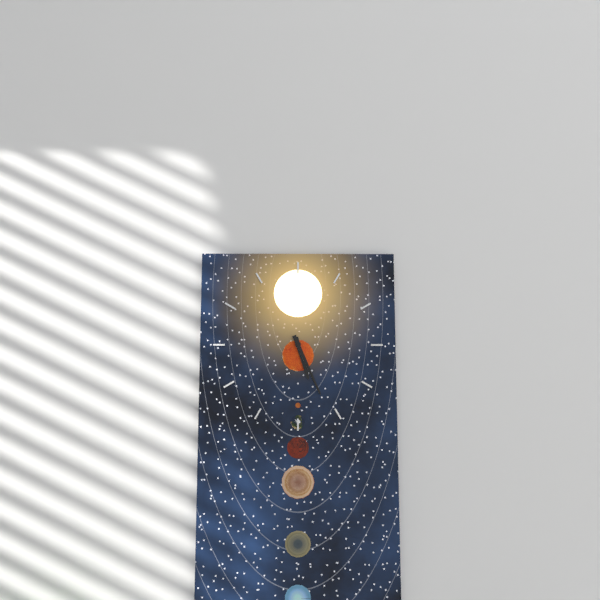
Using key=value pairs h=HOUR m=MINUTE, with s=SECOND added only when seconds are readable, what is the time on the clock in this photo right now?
h=5 m=26
